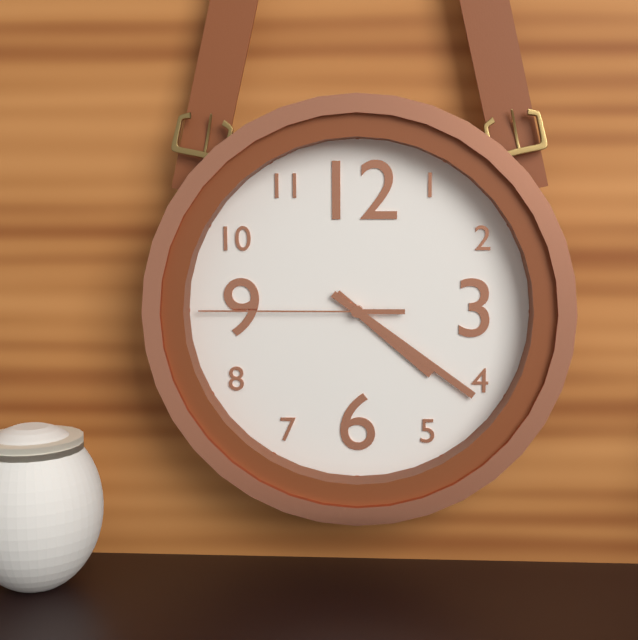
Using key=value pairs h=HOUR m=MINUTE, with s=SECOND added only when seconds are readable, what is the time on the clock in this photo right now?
h=4 m=21 s=45
